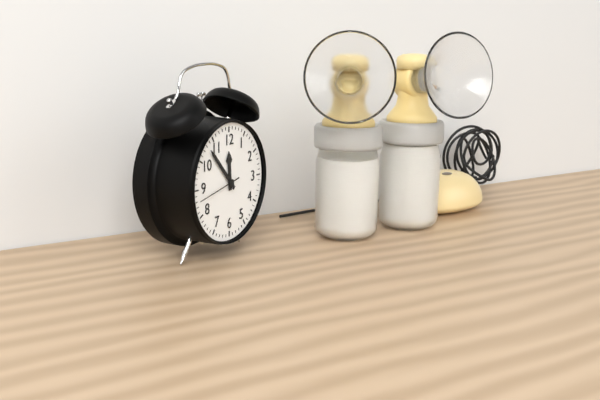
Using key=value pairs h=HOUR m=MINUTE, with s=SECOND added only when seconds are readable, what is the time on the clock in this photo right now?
h=11 m=53
